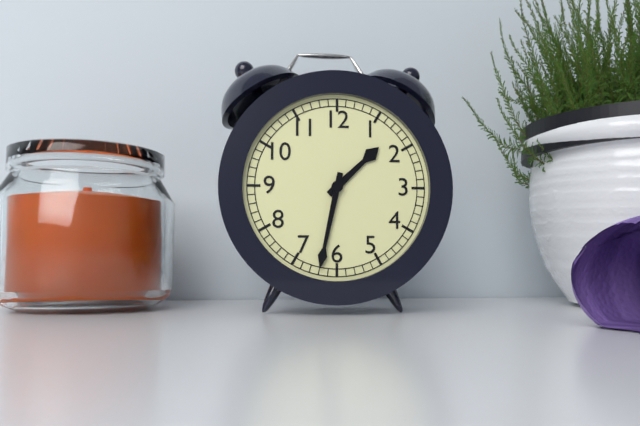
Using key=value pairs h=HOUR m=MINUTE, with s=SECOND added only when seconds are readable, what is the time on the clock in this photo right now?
h=1 m=32
